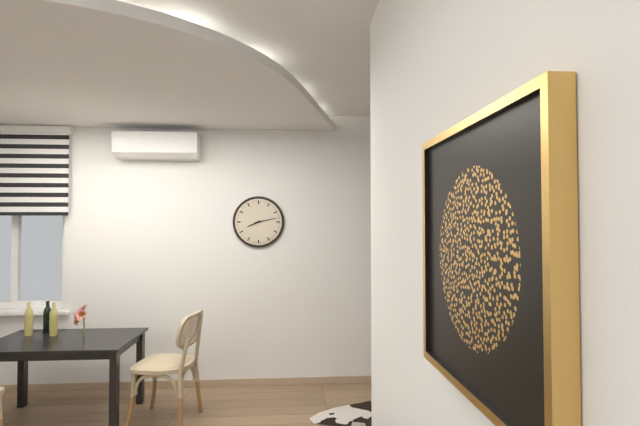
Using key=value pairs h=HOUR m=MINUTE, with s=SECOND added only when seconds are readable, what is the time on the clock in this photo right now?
h=8 m=13
